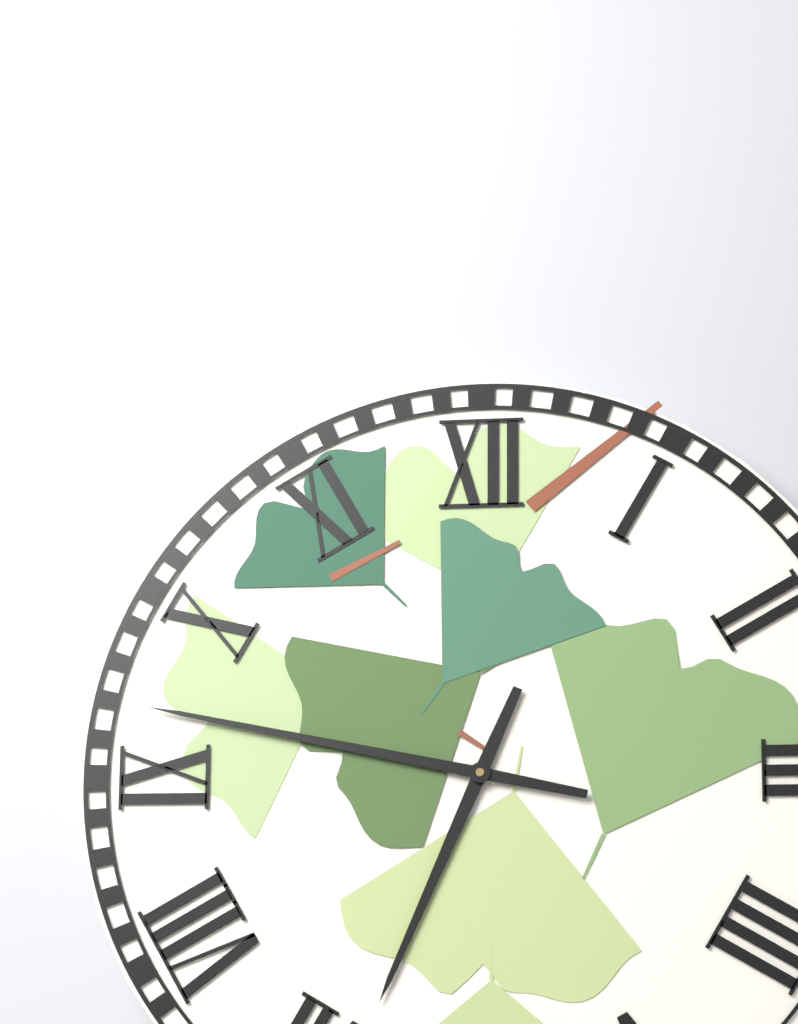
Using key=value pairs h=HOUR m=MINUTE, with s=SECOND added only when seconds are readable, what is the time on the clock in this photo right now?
h=6 m=47
